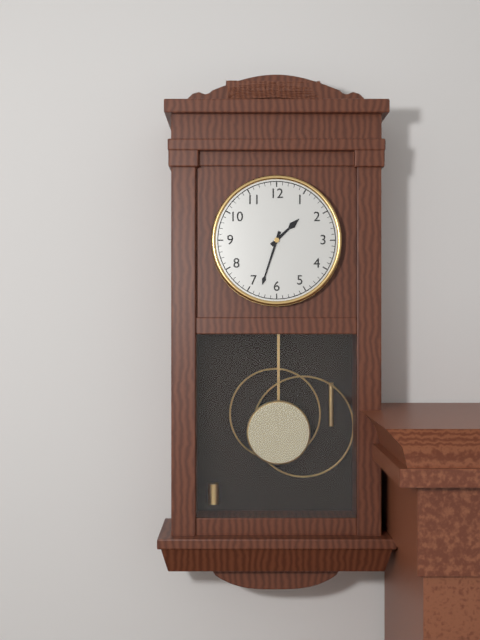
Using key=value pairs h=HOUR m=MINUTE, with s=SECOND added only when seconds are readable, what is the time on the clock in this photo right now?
h=1 m=33
